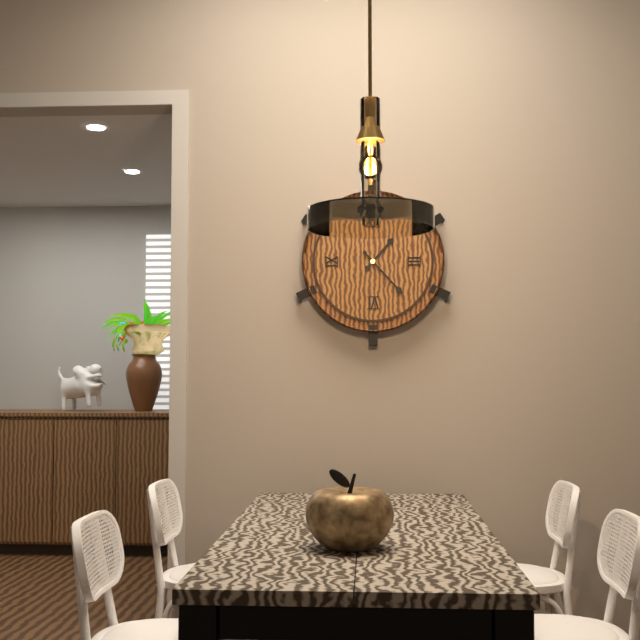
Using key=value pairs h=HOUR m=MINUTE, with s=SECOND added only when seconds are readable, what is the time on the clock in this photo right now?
h=1 m=23
